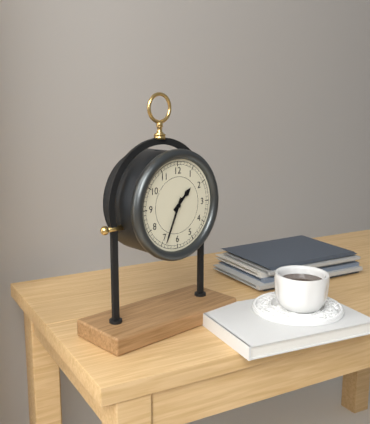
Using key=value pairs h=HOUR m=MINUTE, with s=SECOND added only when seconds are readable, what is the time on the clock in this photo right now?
h=1 m=34
